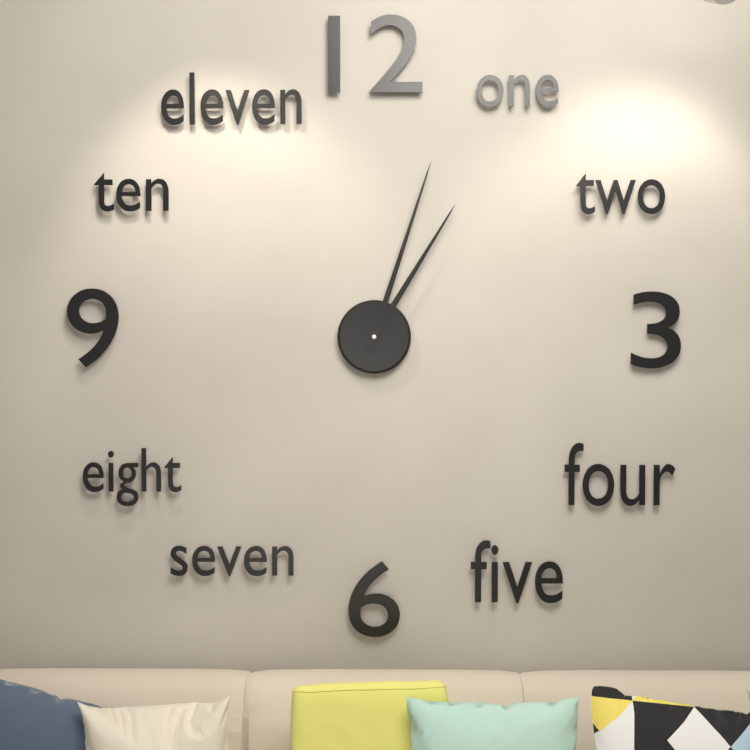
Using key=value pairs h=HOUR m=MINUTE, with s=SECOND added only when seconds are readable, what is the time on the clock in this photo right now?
h=1 m=3
